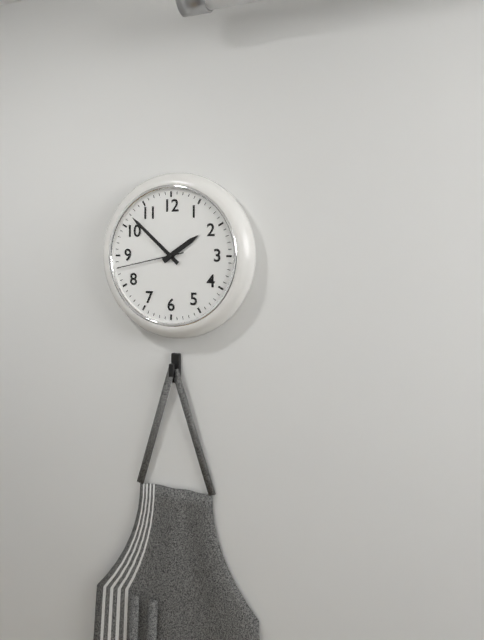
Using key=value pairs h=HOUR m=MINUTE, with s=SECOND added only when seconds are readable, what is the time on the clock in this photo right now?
h=1 m=52 s=43
